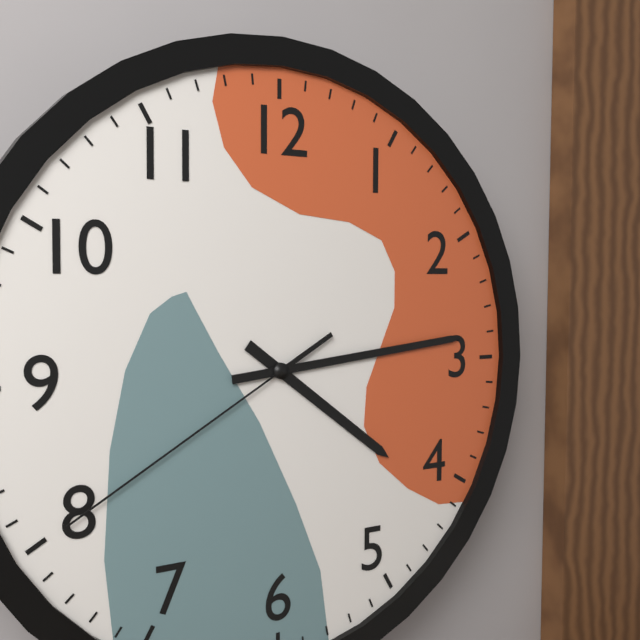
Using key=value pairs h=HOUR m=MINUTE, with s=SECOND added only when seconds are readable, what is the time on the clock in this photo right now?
h=4 m=14 s=40
